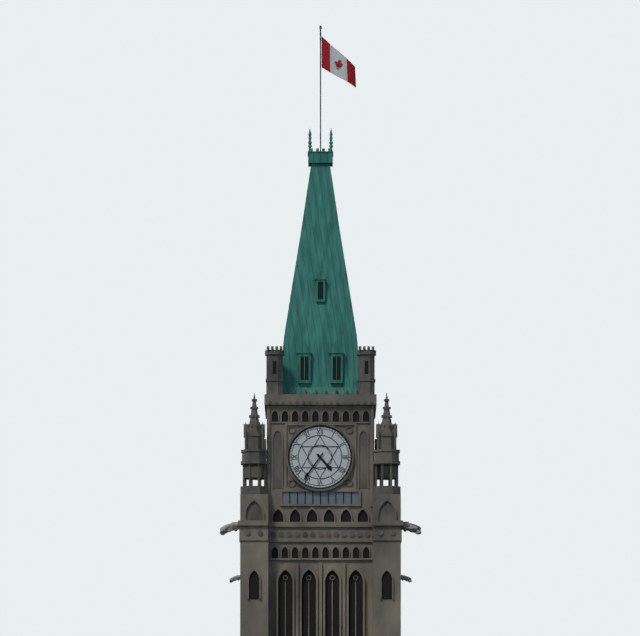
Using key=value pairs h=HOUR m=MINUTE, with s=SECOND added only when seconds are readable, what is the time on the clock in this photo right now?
h=4 m=36
